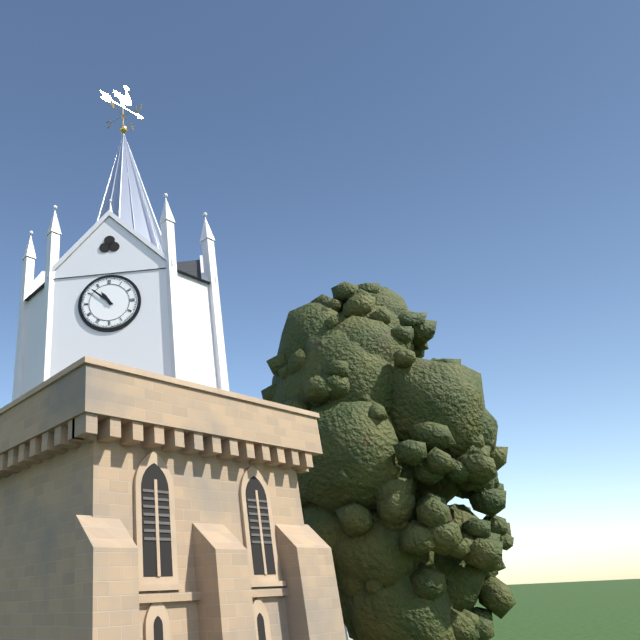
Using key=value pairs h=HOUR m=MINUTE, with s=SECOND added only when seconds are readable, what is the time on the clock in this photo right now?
h=10 m=52
